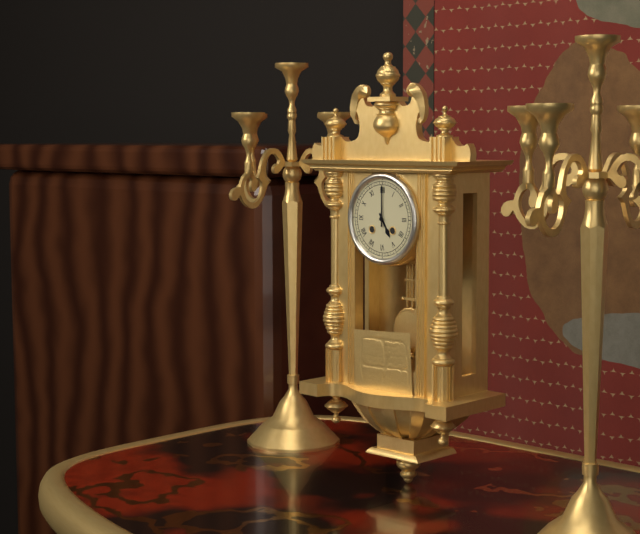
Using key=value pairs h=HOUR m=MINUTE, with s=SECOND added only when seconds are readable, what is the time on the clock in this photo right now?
h=5 m=0
